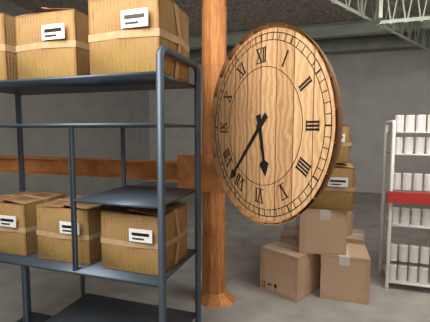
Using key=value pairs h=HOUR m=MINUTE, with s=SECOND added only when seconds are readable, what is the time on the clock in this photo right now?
h=5 m=37
